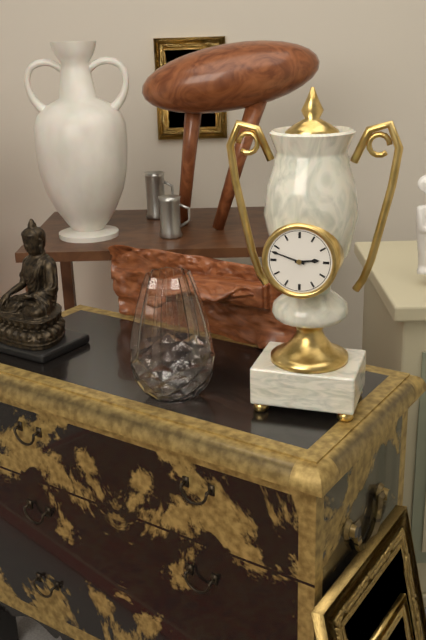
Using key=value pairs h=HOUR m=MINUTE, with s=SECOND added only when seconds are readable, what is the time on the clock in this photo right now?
h=2 m=48
